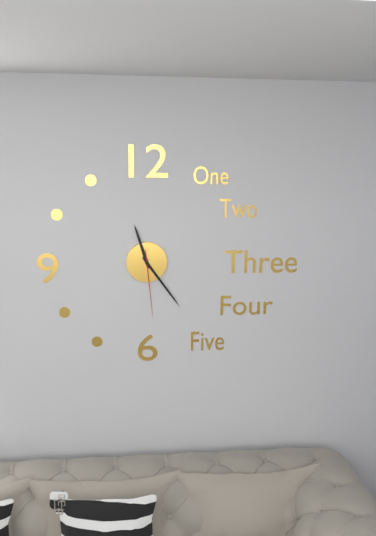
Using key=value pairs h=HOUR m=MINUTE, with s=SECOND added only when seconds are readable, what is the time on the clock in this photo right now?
h=11 m=24 s=29
